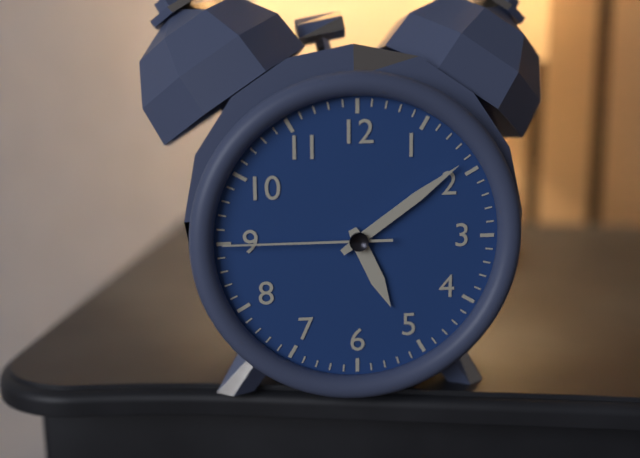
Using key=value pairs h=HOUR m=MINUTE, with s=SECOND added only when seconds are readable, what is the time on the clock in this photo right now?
h=5 m=9 s=45
